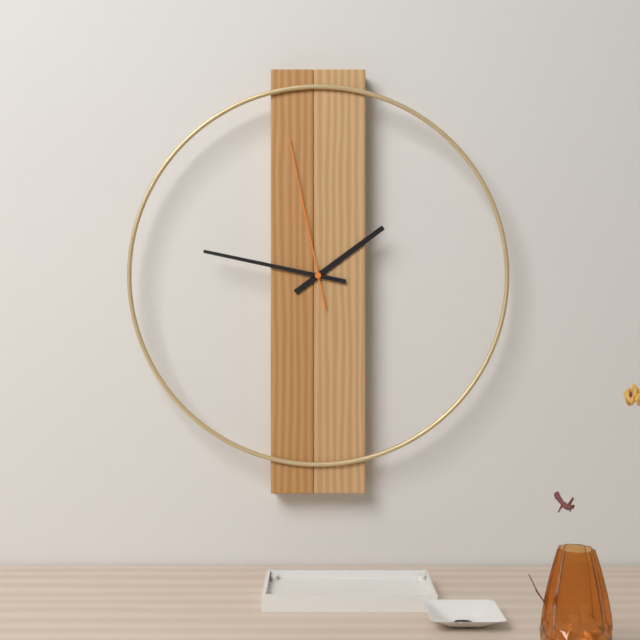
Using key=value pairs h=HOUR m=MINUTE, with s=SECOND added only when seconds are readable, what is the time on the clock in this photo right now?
h=1 m=47 s=58
